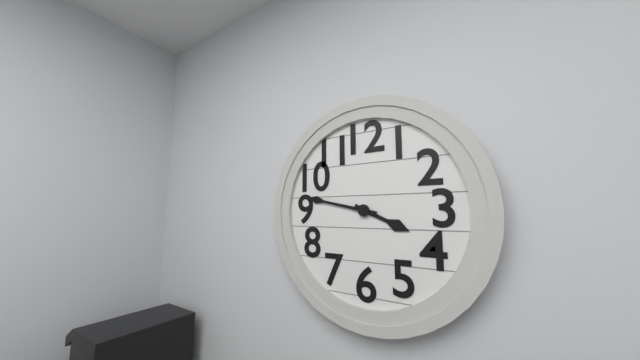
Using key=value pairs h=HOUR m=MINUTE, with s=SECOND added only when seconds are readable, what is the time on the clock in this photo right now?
h=3 m=47
